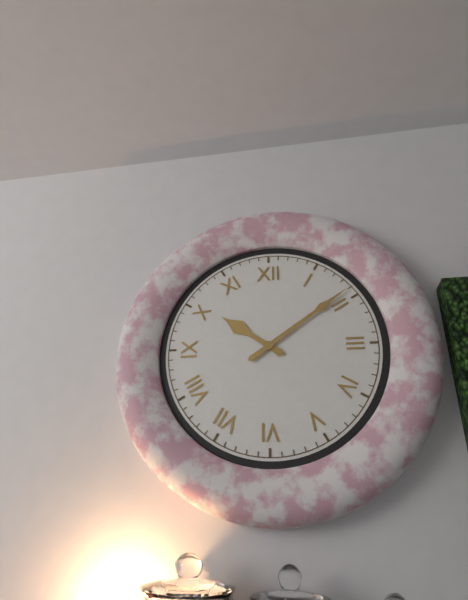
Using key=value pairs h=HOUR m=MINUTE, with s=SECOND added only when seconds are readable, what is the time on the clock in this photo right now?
h=10 m=9
